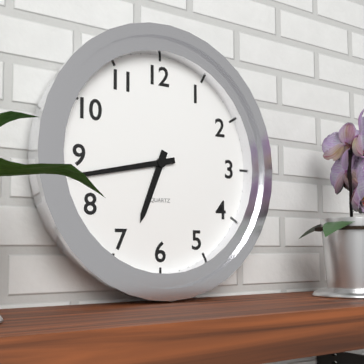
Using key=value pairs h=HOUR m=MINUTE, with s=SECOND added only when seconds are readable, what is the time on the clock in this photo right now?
h=6 m=43
